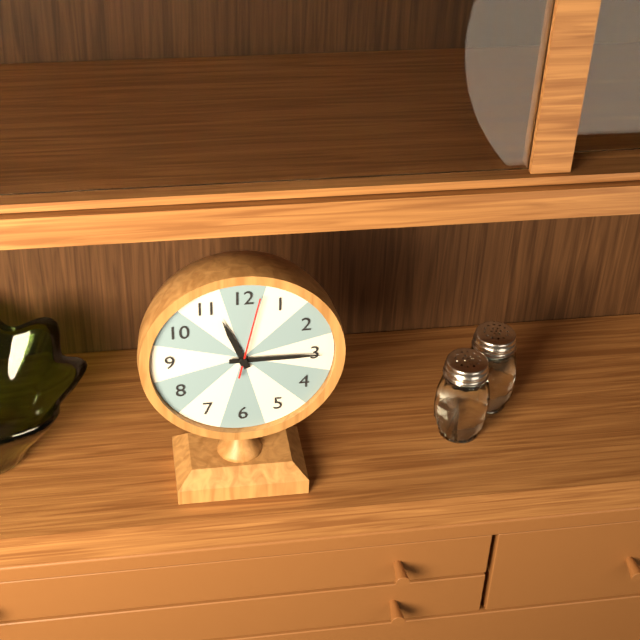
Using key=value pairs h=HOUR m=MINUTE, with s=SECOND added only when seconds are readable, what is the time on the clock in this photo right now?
h=11 m=15 s=2
